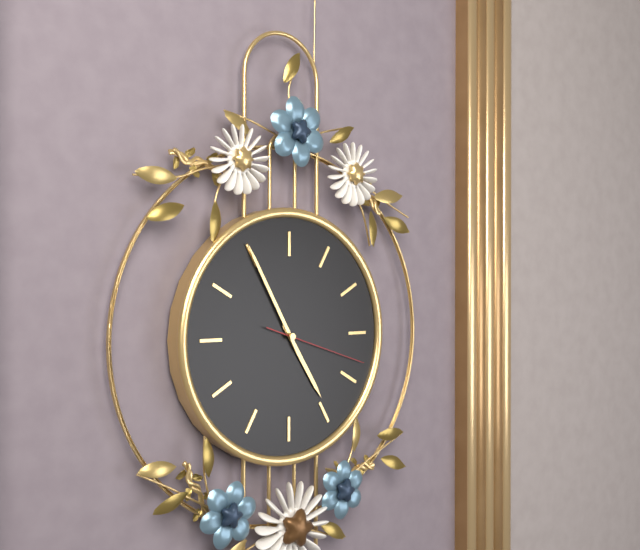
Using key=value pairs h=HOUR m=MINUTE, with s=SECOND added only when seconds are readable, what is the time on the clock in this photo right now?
h=4 m=55 s=18
